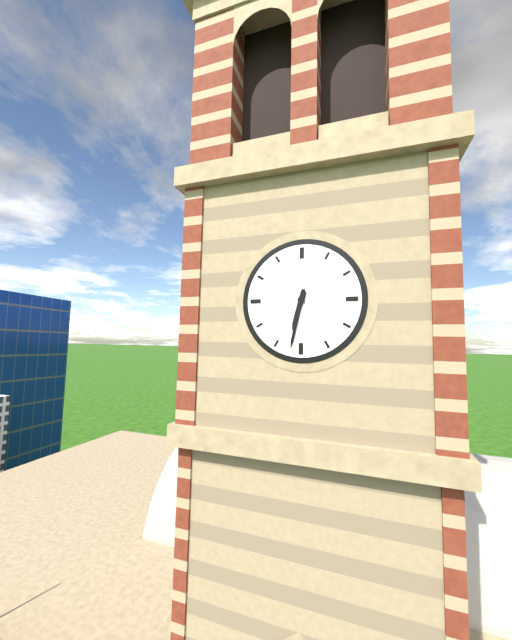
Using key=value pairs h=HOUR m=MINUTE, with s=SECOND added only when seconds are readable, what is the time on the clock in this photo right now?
h=6 m=32
